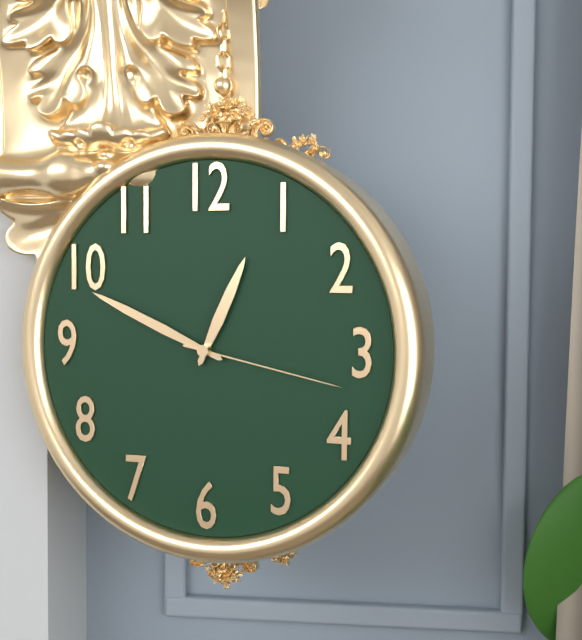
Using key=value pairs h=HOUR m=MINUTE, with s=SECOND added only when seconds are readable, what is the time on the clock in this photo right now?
h=12 m=49 s=17
